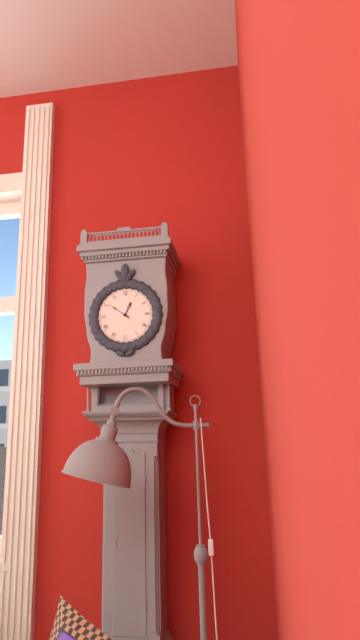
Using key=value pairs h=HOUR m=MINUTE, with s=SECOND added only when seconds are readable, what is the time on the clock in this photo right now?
h=12 m=51
